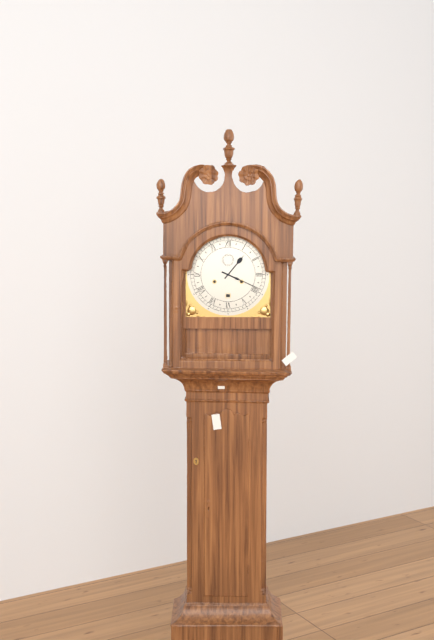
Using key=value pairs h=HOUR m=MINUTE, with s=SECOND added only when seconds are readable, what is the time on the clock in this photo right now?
h=1 m=19
